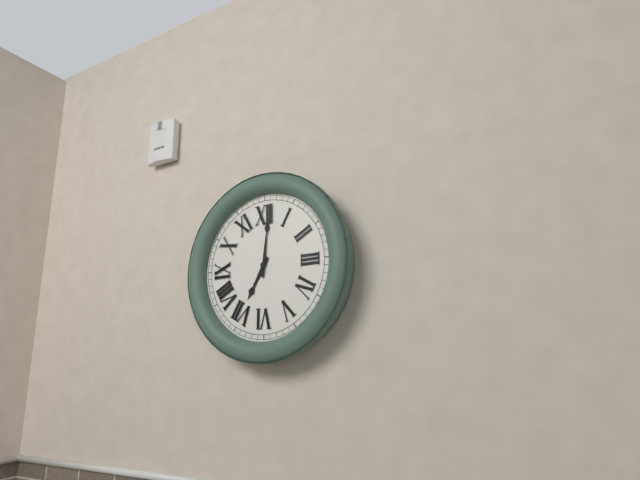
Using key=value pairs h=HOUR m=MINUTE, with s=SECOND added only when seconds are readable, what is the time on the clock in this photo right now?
h=7 m=1
